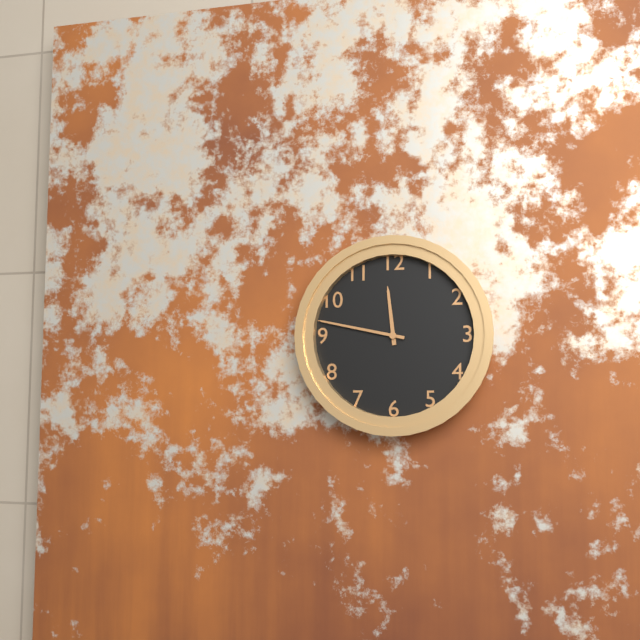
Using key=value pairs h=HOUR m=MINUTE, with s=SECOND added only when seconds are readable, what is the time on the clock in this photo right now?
h=11 m=47
